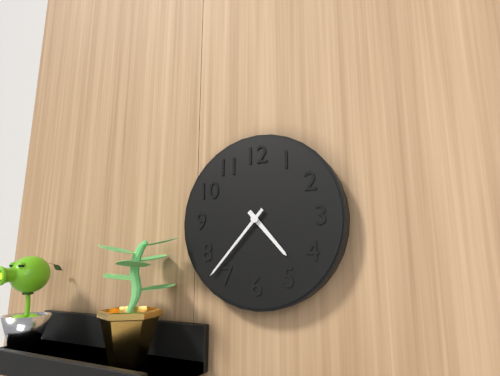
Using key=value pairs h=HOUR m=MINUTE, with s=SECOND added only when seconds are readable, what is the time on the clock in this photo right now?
h=4 m=37
